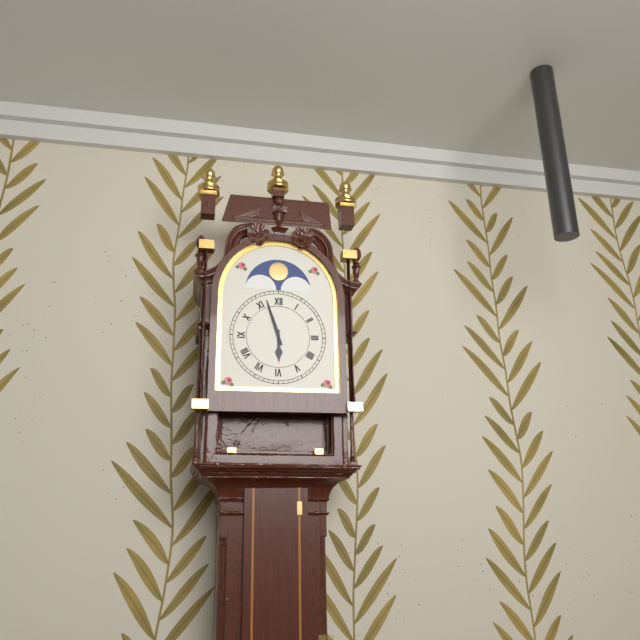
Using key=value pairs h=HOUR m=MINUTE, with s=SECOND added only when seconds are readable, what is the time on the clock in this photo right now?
h=5 m=57
